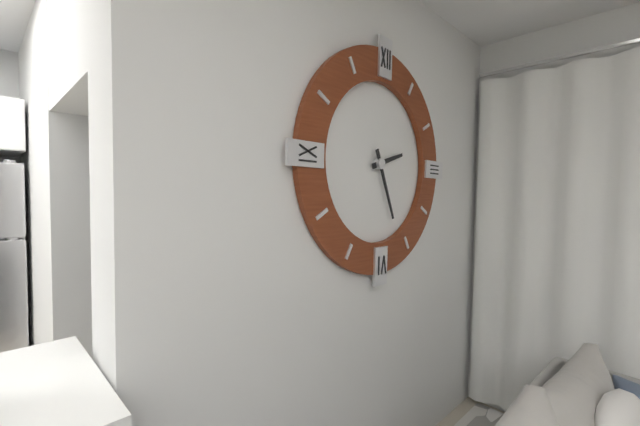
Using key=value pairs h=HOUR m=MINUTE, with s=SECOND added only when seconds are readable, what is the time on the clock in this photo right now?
h=2 m=26
